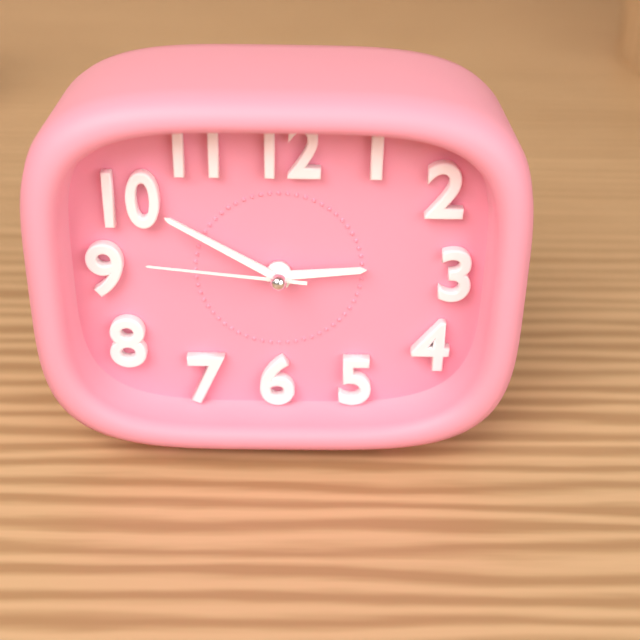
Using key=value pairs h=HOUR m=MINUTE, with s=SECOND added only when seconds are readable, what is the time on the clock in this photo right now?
h=2 m=50 s=46
